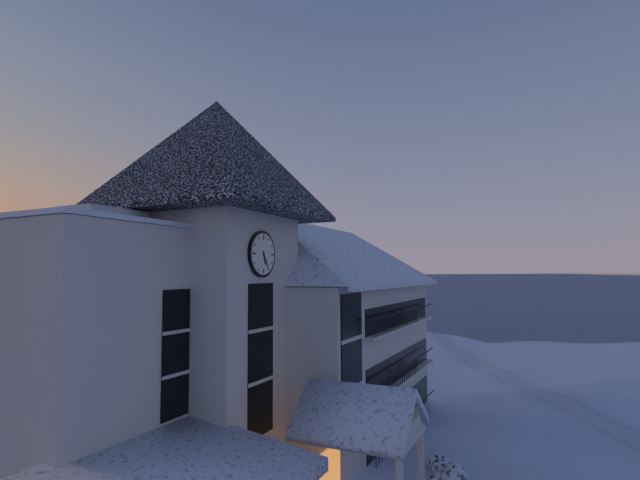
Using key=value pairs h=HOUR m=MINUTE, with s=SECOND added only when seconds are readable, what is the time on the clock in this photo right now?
h=5 m=25
